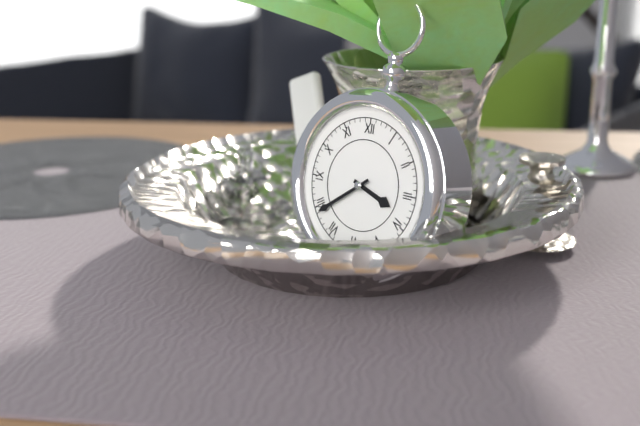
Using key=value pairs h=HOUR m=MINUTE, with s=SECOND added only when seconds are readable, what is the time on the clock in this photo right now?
h=3 m=39
